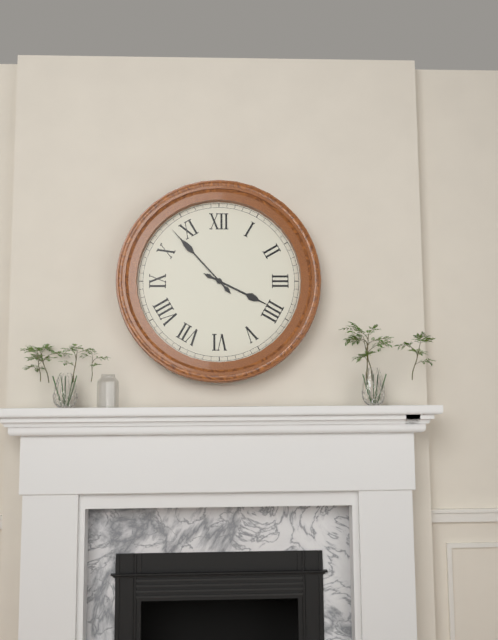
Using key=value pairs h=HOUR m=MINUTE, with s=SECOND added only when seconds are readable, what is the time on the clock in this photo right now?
h=3 m=53
